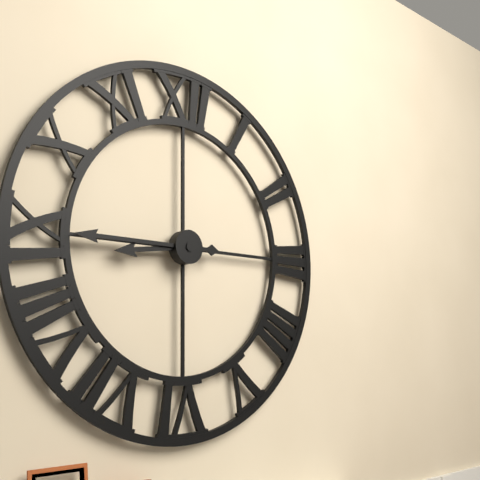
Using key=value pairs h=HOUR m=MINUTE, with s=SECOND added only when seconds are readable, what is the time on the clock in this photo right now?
h=8 m=45
